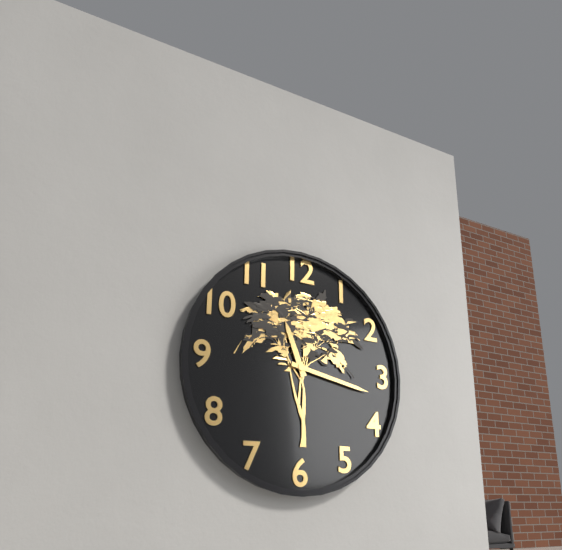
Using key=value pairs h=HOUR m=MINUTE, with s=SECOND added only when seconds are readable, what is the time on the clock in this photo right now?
h=11 m=17
